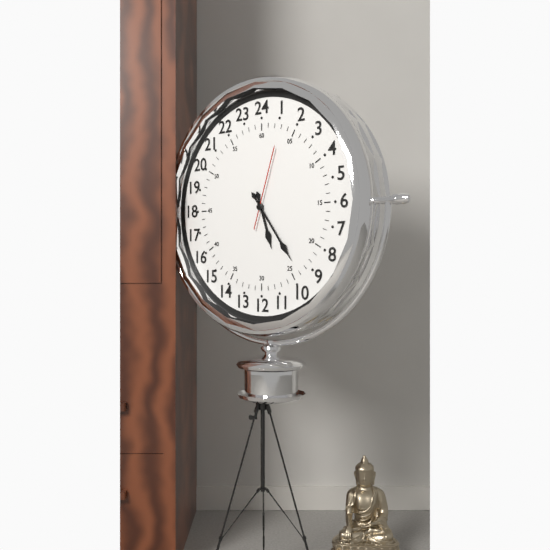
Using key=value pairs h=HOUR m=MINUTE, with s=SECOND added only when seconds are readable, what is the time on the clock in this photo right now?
h=5 m=24 s=3
